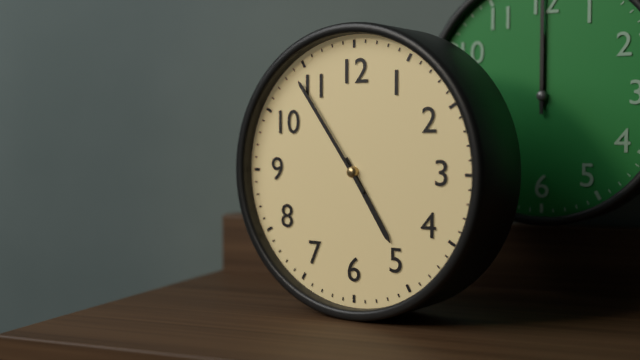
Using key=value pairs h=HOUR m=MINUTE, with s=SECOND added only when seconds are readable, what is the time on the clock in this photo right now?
h=4 m=54
